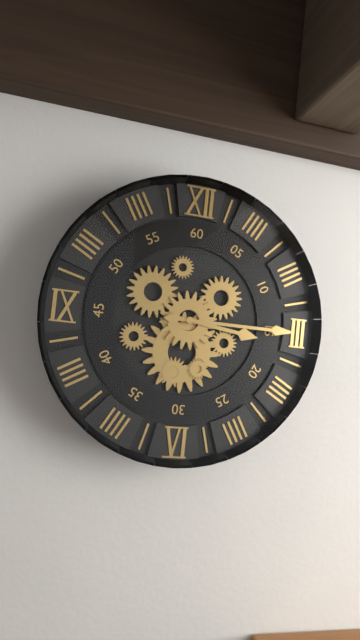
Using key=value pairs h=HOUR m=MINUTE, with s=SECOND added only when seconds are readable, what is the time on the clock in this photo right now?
h=3 m=15
